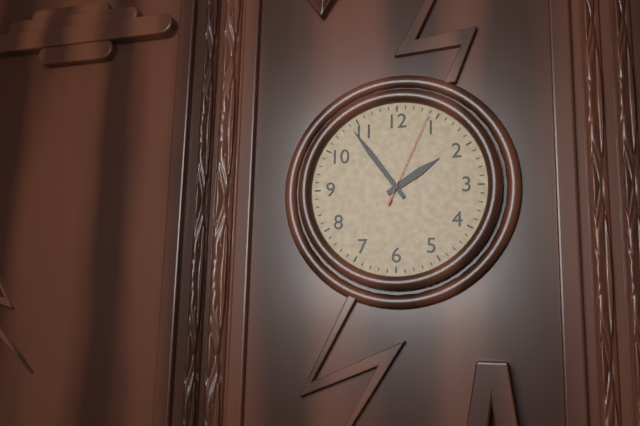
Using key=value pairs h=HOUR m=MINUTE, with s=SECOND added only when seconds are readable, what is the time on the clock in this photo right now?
h=1 m=54 s=4
